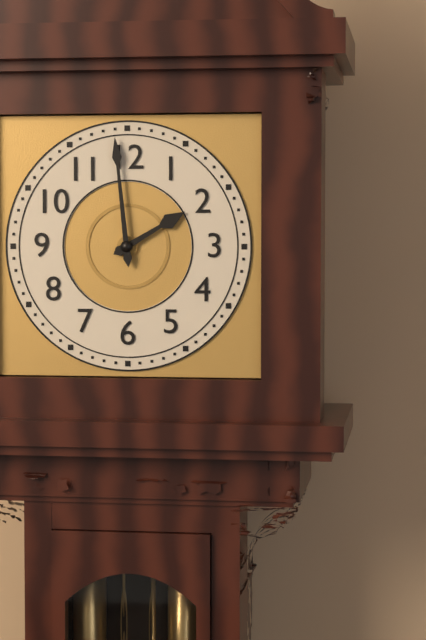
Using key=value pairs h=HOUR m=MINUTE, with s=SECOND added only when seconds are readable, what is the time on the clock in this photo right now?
h=1 m=59
